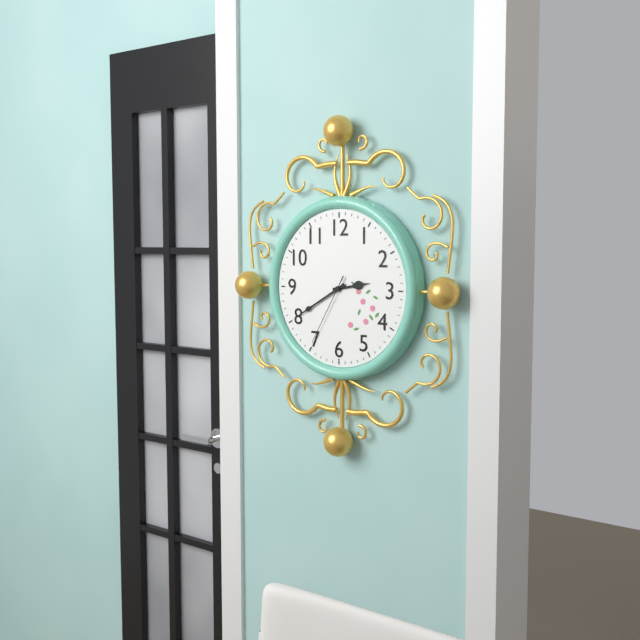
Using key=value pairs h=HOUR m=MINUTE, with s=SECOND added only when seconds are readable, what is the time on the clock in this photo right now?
h=2 m=40 s=35
